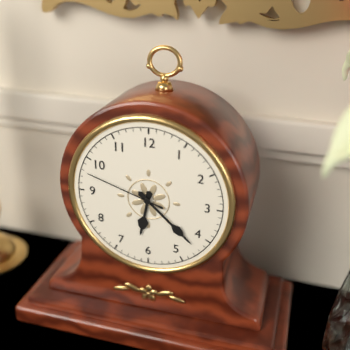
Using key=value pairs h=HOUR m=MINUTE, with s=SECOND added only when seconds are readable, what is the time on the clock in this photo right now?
h=6 m=22 s=48
